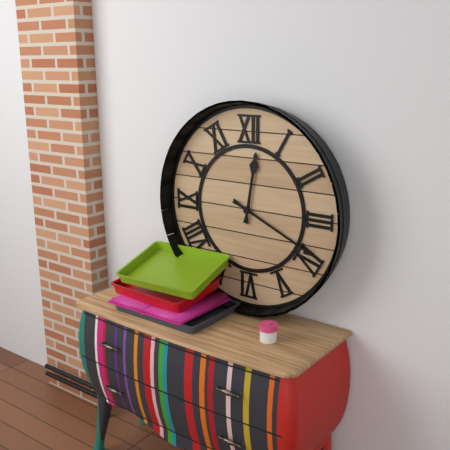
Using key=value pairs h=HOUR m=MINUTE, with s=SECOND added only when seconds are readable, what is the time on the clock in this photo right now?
h=12 m=19
